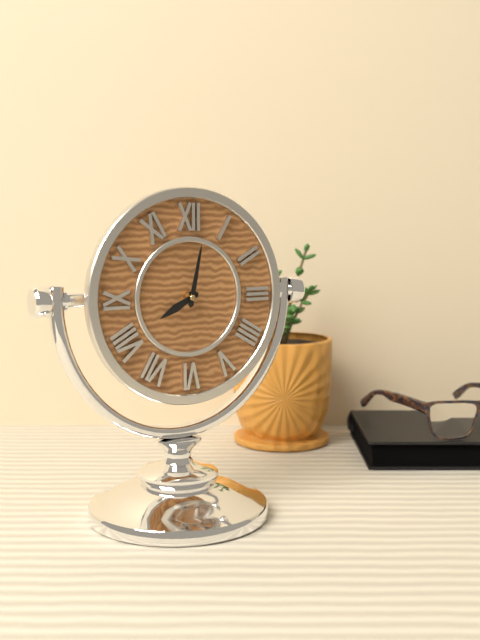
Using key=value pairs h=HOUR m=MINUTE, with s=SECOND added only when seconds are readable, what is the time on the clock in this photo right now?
h=8 m=2
